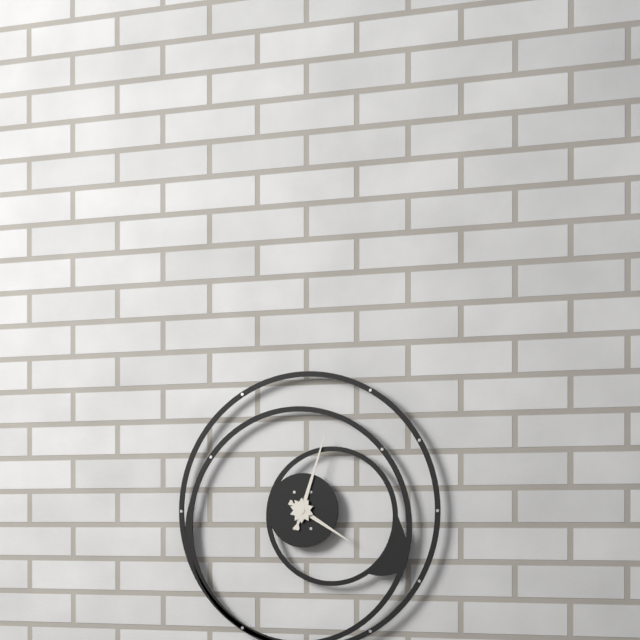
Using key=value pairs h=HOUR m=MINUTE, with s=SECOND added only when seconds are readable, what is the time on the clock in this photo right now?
h=4 m=3
